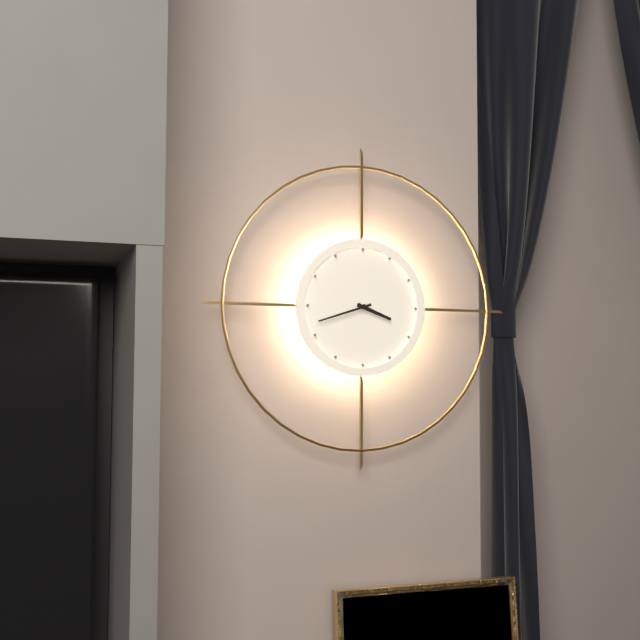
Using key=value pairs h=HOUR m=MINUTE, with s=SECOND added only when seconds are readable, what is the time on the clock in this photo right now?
h=3 m=42
